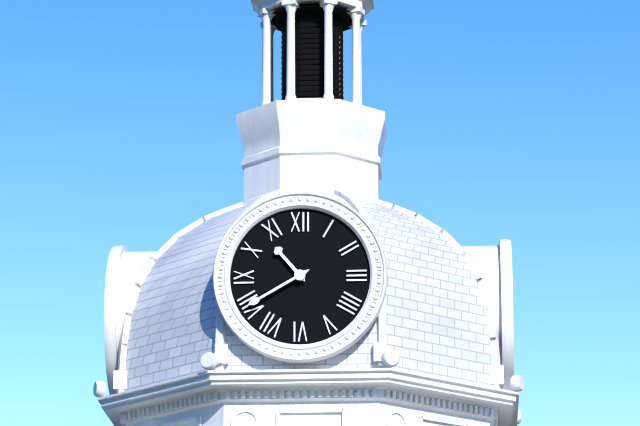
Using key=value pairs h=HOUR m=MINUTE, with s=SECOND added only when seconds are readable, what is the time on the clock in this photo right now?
h=10 m=40
